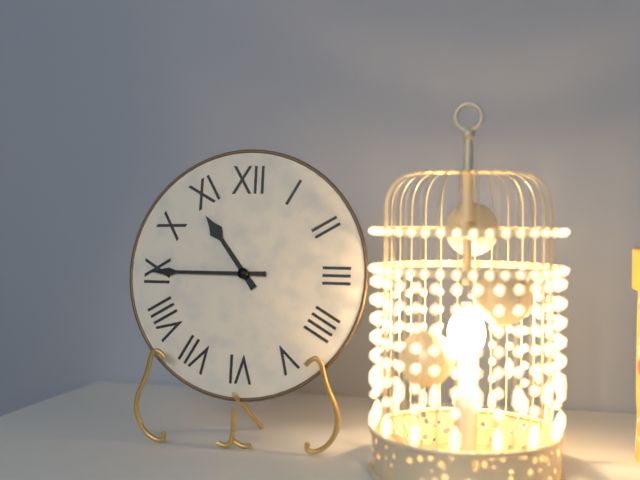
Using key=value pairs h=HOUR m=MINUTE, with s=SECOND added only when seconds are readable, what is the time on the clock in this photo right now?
h=10 m=45
